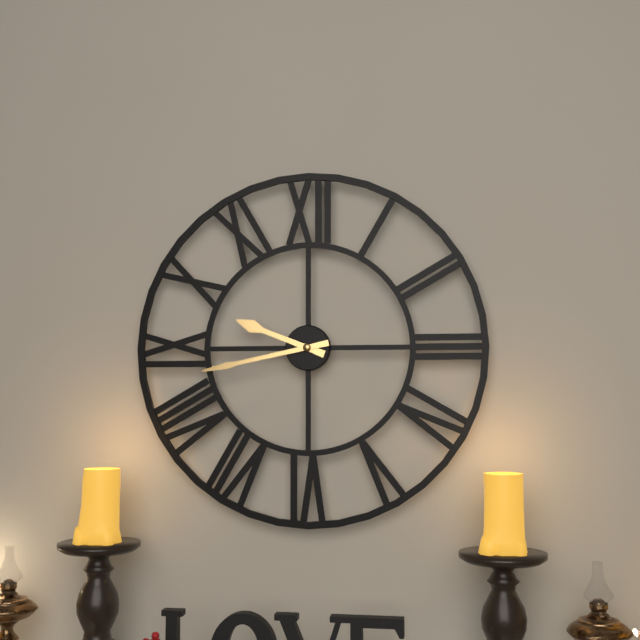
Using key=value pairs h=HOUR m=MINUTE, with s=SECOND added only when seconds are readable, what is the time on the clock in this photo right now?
h=9 m=43
